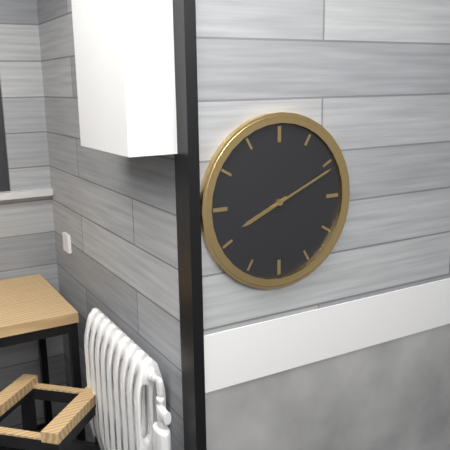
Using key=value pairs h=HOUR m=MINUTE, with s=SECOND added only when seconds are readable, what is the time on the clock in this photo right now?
h=8 m=11
